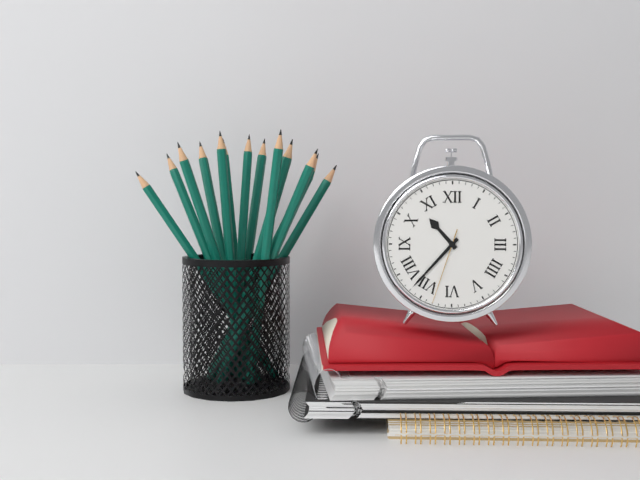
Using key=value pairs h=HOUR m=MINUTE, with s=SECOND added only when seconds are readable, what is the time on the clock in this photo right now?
h=10 m=37 s=33
